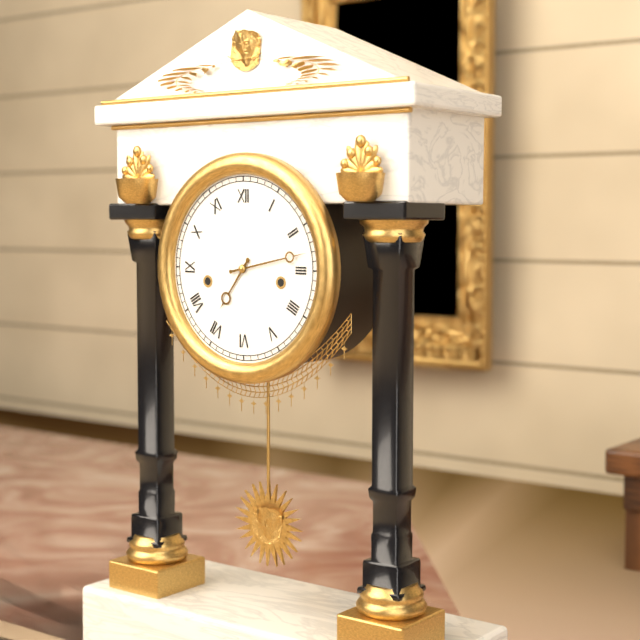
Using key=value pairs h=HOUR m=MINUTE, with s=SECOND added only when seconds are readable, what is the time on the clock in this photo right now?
h=7 m=13
